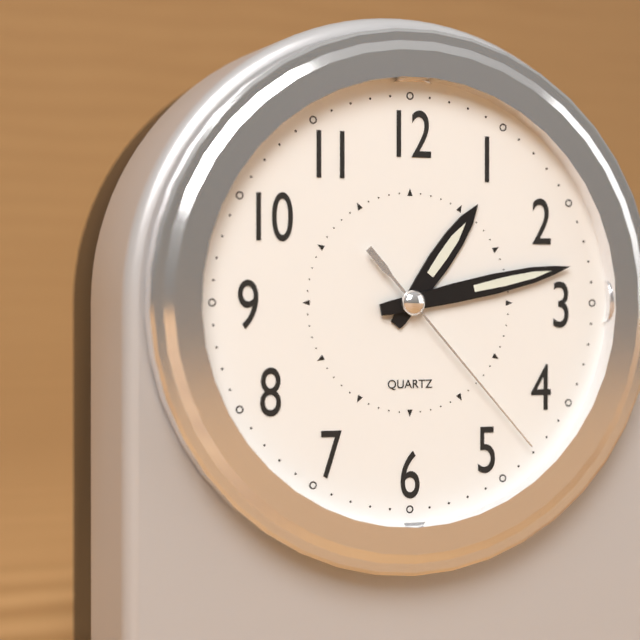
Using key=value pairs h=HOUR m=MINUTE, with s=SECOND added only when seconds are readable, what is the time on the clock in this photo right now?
h=1 m=13 s=23
